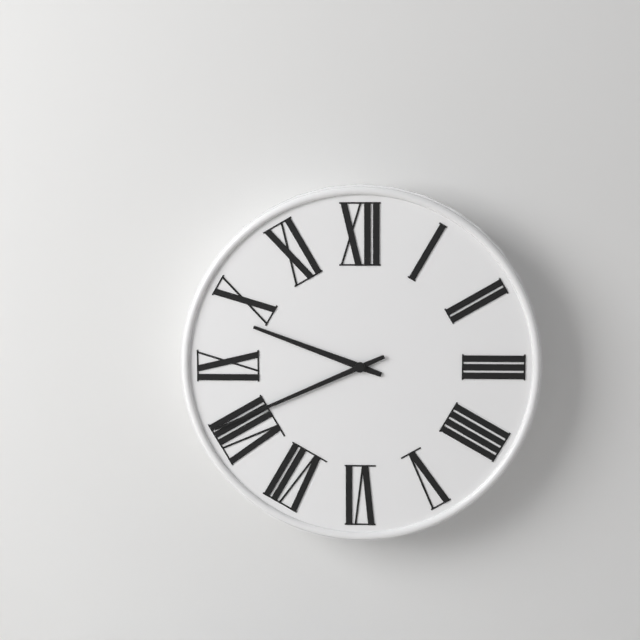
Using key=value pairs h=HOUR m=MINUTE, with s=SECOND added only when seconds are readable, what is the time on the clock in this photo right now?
h=9 m=41
